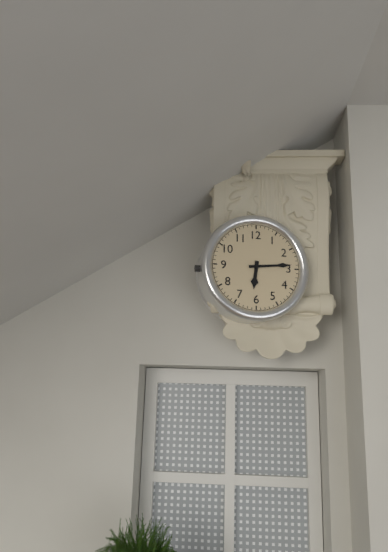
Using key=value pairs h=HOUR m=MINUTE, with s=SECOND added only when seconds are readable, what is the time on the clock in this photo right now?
h=6 m=14
